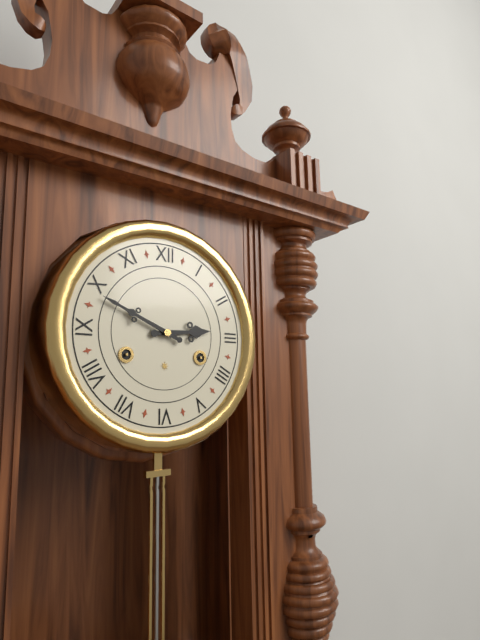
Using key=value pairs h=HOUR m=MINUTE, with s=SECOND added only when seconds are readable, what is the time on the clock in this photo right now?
h=2 m=49
